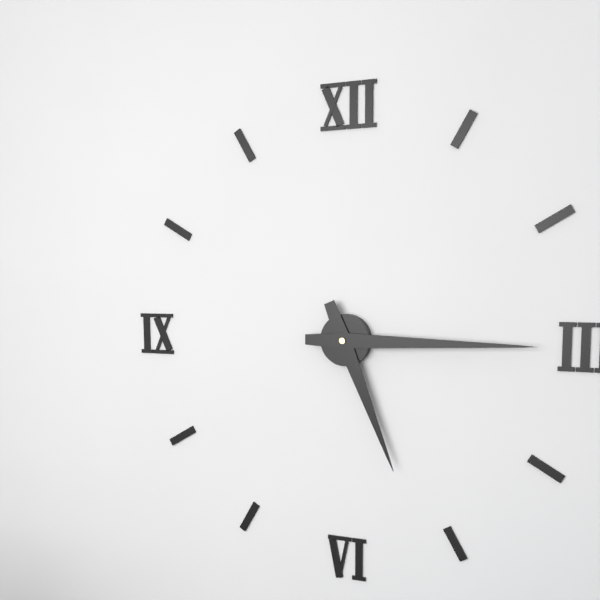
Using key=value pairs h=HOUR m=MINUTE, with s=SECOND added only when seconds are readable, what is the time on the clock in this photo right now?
h=5 m=15
